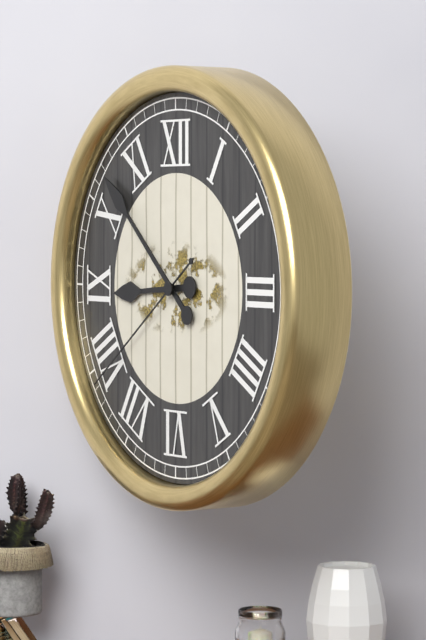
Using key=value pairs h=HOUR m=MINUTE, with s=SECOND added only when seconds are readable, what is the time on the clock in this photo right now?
h=8 m=52 s=39
